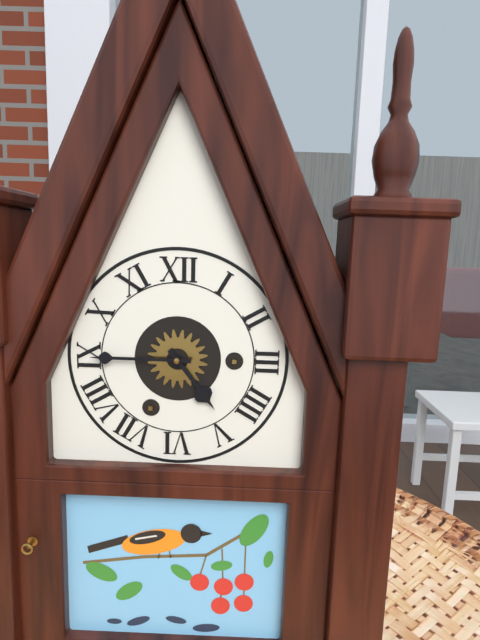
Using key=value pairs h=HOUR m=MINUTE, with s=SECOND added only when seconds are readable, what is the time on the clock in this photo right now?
h=4 m=45
